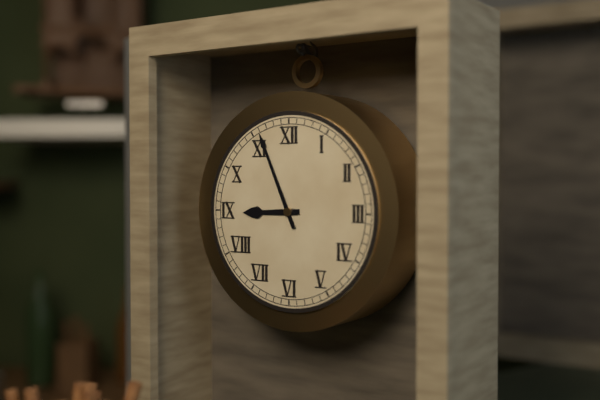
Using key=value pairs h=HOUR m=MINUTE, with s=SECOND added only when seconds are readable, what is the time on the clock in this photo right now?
h=8 m=56
